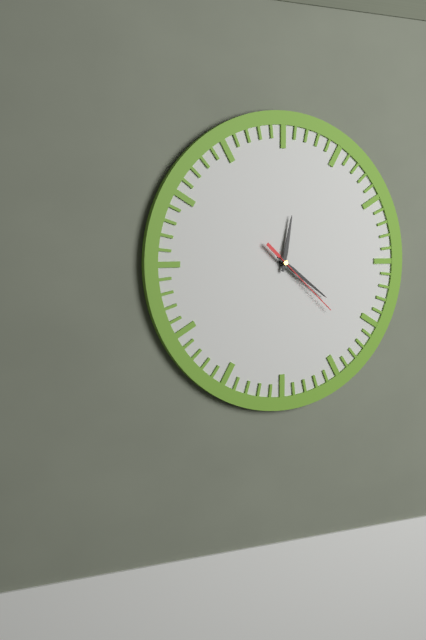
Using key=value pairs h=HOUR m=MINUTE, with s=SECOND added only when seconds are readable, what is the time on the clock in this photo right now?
h=12 m=21 s=22
